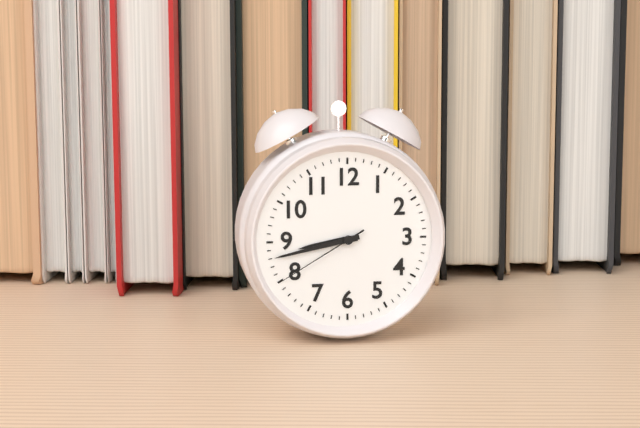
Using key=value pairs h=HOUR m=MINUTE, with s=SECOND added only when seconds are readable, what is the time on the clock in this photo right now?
h=8 m=43 s=40
